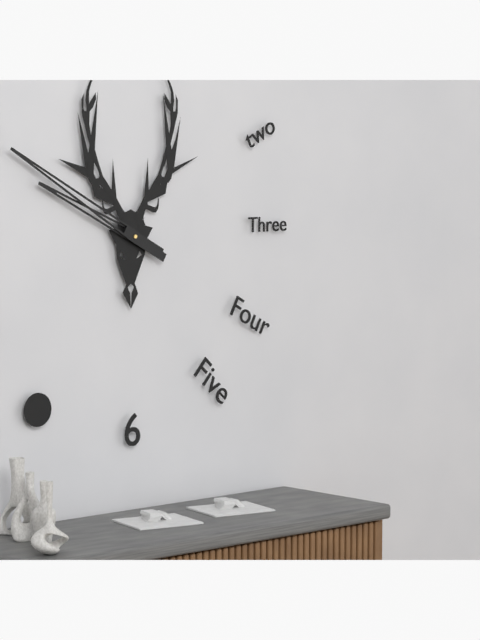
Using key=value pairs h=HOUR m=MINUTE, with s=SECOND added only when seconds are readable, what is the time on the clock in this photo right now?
h=9 m=50
